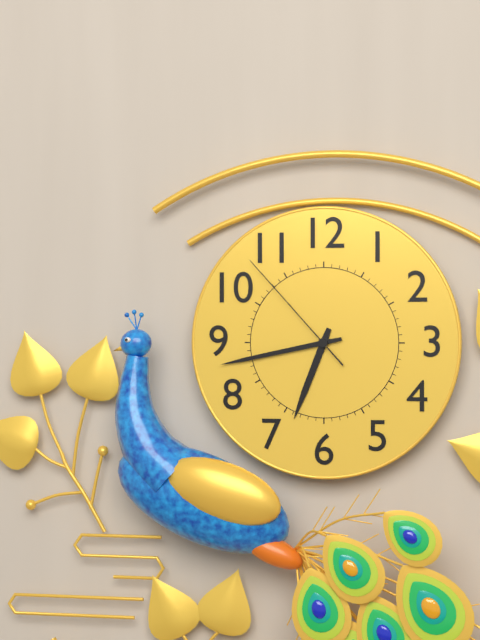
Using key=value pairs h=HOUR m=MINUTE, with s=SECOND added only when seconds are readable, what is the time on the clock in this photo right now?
h=6 m=43 s=53
